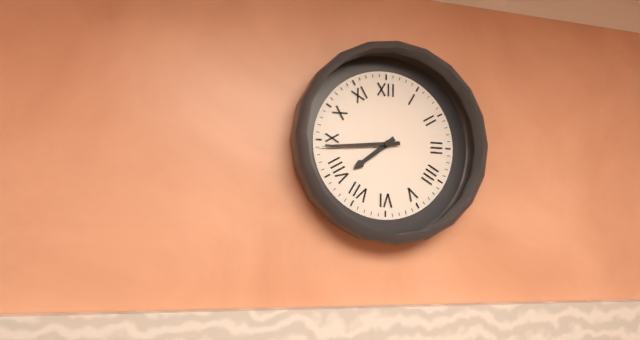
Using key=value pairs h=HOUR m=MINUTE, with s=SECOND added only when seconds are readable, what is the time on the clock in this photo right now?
h=7 m=44
